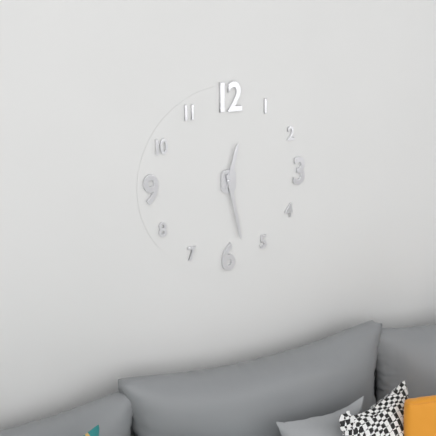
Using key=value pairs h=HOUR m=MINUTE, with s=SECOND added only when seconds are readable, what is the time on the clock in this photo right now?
h=12 m=28
